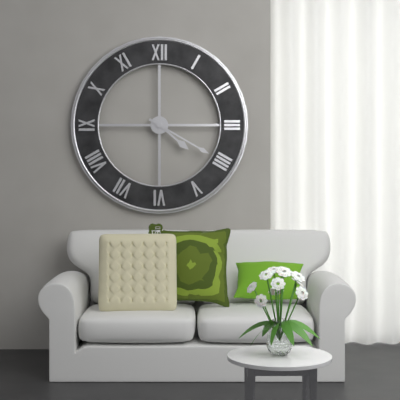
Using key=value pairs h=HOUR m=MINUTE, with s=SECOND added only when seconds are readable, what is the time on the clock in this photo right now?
h=4 m=20
